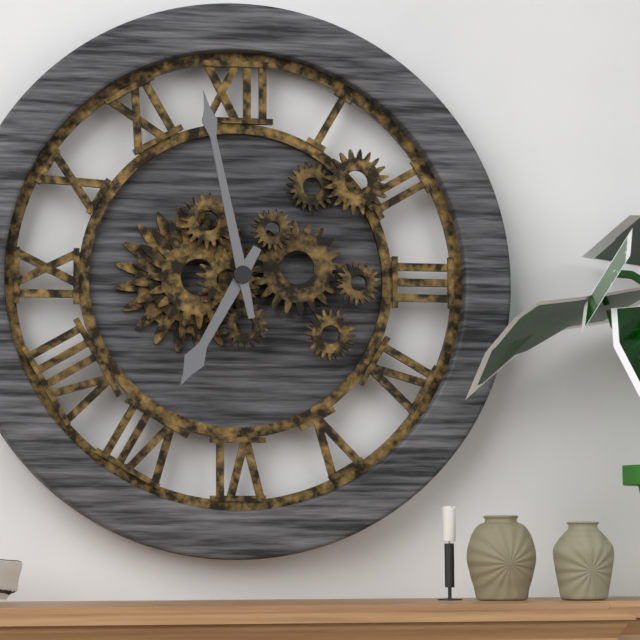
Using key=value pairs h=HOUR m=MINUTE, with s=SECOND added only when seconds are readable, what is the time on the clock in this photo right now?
h=6 m=58
